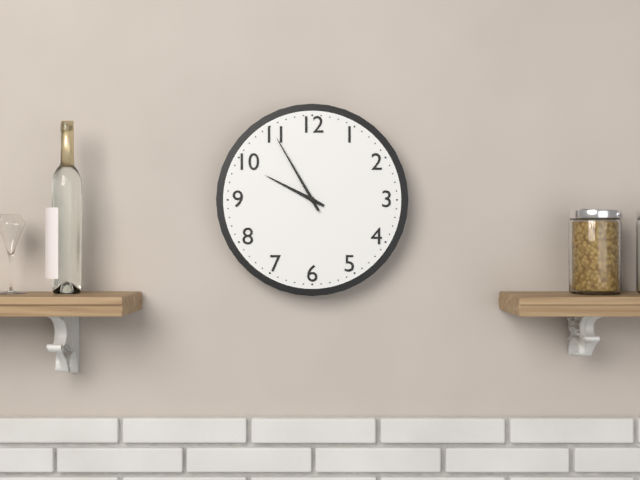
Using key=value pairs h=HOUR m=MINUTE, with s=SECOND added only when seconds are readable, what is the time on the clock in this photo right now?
h=9 m=55
